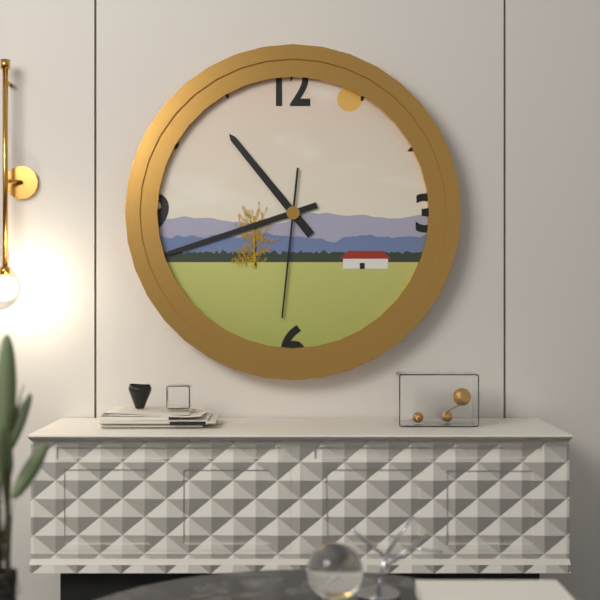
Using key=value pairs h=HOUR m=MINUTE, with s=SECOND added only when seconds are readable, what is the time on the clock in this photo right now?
h=10 m=42 s=31
